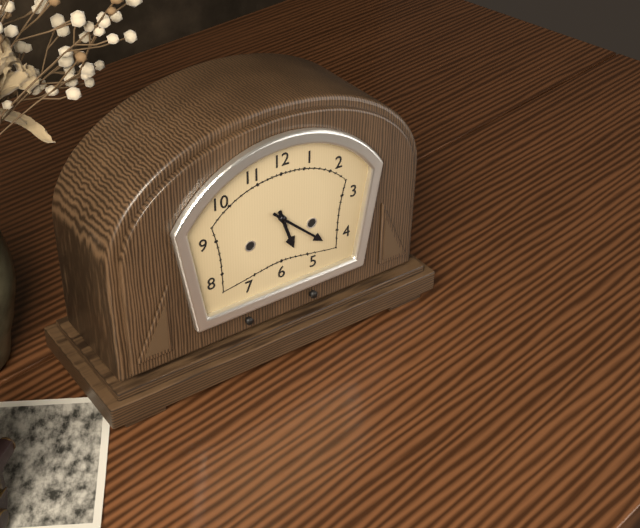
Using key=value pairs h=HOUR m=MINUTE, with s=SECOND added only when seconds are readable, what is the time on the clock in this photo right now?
h=5 m=22
